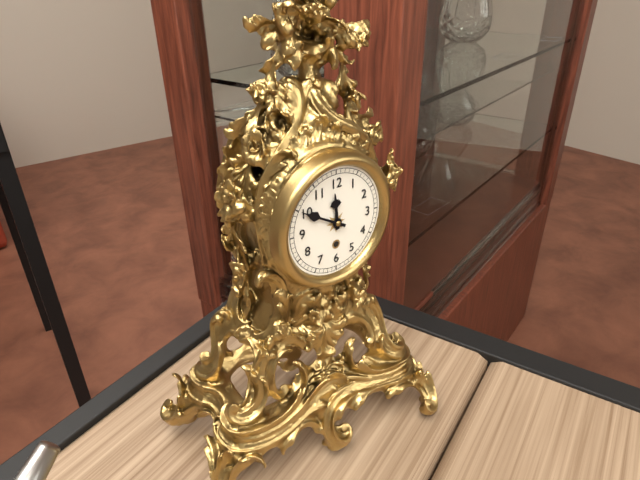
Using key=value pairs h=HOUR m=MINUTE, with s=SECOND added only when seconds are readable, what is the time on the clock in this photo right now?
h=11 m=50
